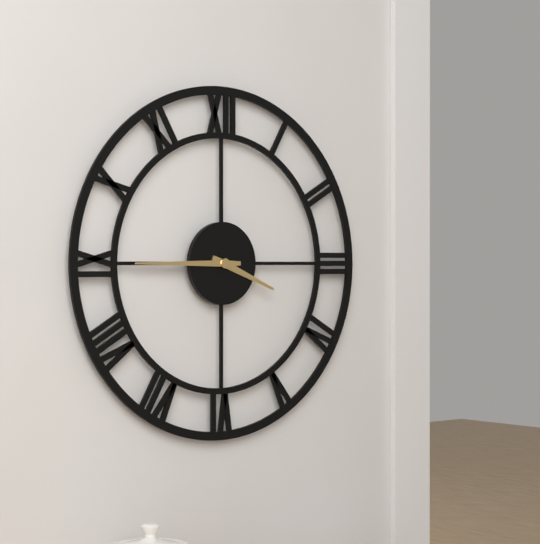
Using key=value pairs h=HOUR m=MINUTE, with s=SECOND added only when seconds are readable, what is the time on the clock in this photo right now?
h=3 m=45
